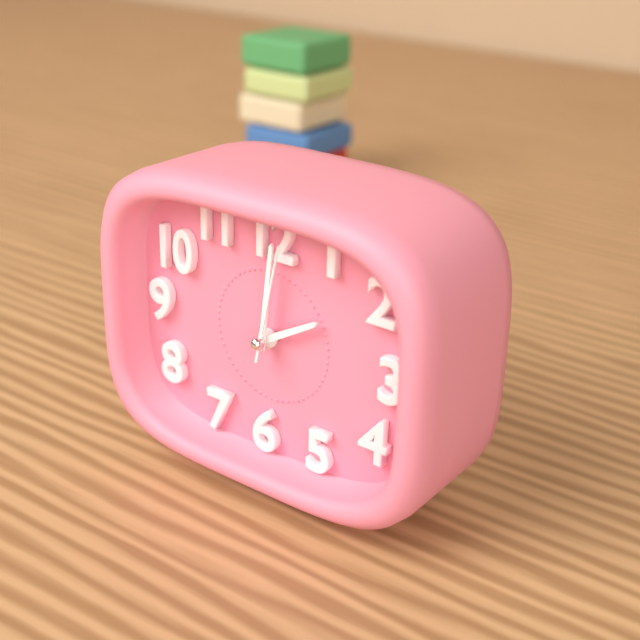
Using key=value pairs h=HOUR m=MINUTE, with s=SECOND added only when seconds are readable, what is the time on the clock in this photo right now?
h=2 m=1 s=2
